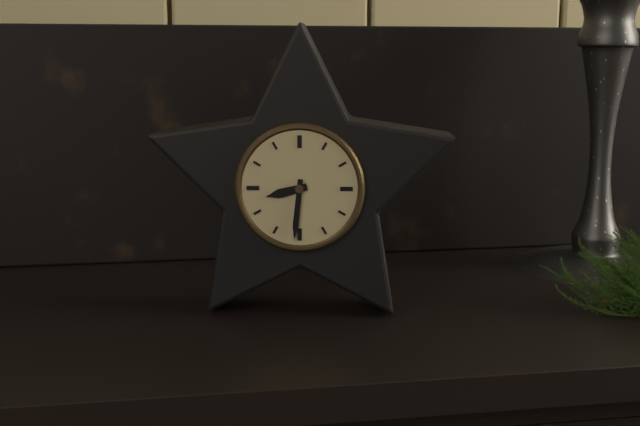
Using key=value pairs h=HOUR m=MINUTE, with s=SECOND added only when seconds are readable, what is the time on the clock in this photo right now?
h=8 m=31
